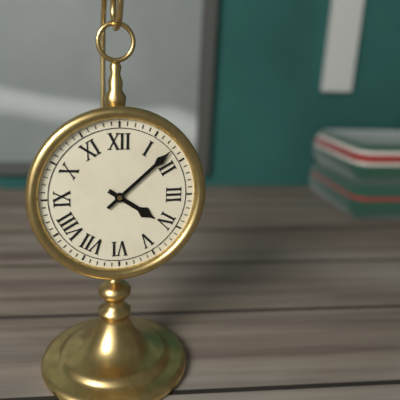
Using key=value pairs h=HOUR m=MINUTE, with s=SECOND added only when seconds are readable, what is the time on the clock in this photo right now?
h=4 m=8
